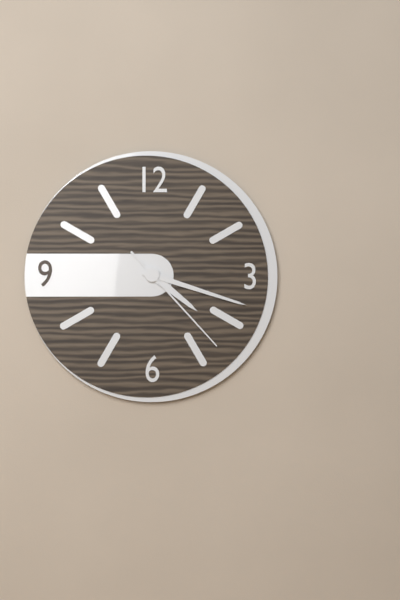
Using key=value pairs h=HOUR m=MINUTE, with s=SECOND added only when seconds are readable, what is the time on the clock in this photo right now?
h=4 m=18 s=23
